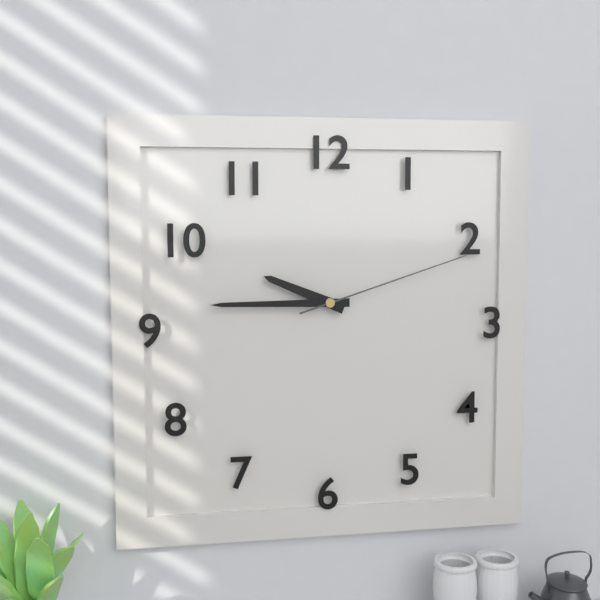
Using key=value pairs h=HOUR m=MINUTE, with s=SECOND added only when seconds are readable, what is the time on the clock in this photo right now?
h=9 m=45 s=12
